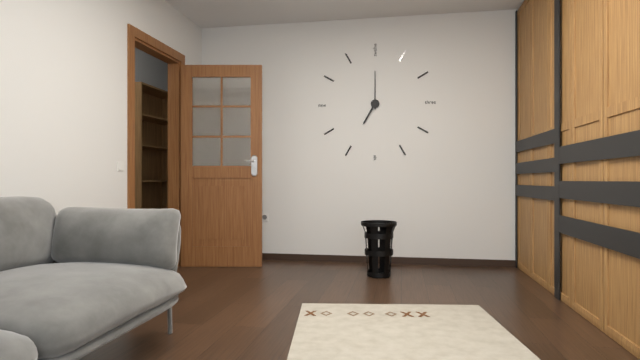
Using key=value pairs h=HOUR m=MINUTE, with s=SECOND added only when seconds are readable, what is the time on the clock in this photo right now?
h=7 m=0
